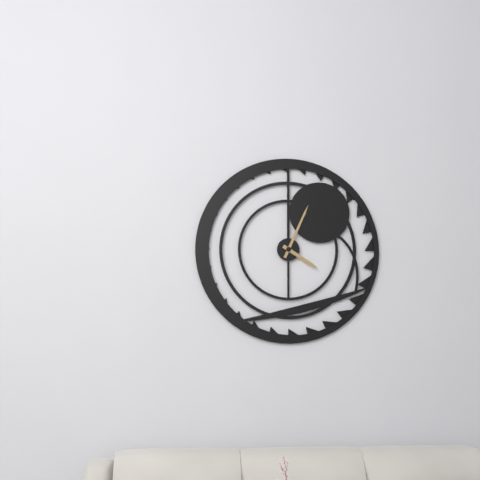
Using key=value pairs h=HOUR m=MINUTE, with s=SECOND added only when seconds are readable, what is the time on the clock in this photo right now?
h=4 m=4
